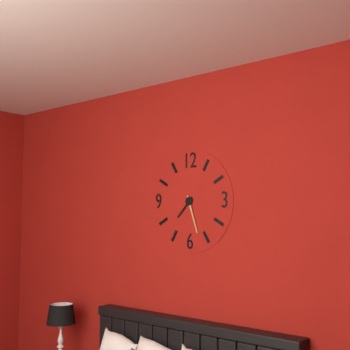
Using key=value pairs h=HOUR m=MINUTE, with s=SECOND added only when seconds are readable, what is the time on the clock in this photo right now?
h=7 m=27
